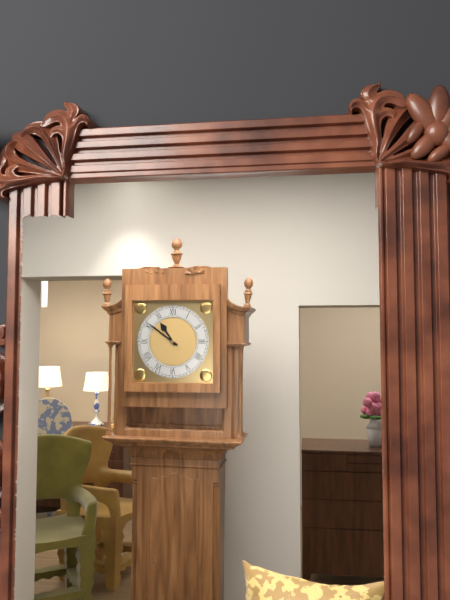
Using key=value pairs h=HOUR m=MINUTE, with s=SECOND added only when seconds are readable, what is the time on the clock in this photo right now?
h=10 m=51
